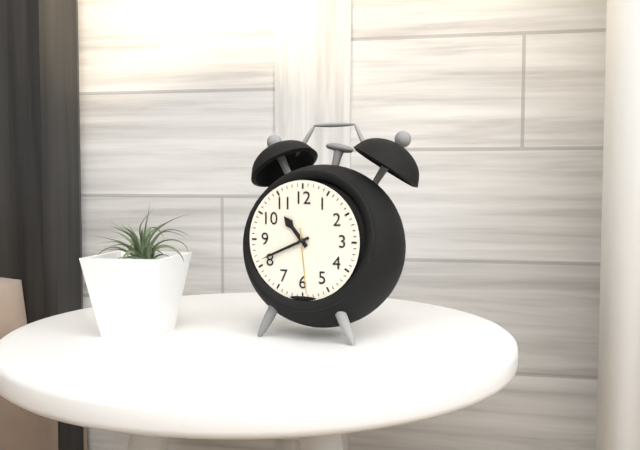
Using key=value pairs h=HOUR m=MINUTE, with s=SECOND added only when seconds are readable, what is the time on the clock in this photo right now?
h=10 m=41 s=29
